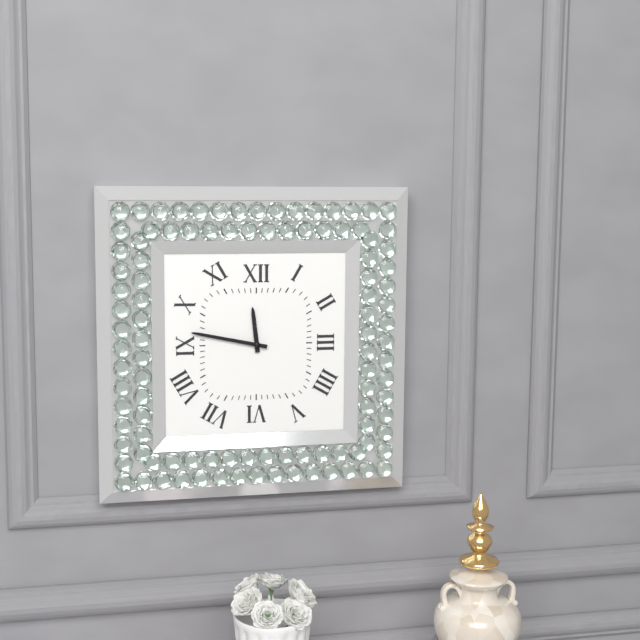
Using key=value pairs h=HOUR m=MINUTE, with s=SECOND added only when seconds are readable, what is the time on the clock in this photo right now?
h=11 m=47
